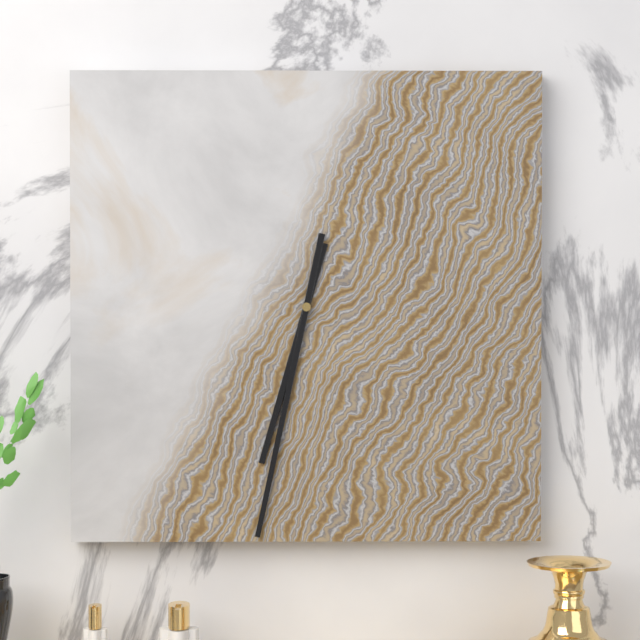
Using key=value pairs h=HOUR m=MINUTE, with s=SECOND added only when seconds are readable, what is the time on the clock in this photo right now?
h=6 m=32
